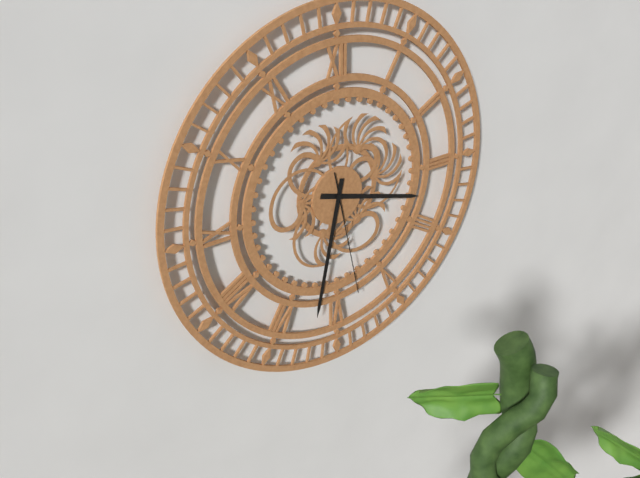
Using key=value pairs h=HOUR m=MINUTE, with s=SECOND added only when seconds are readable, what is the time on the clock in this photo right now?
h=3 m=32 s=28
